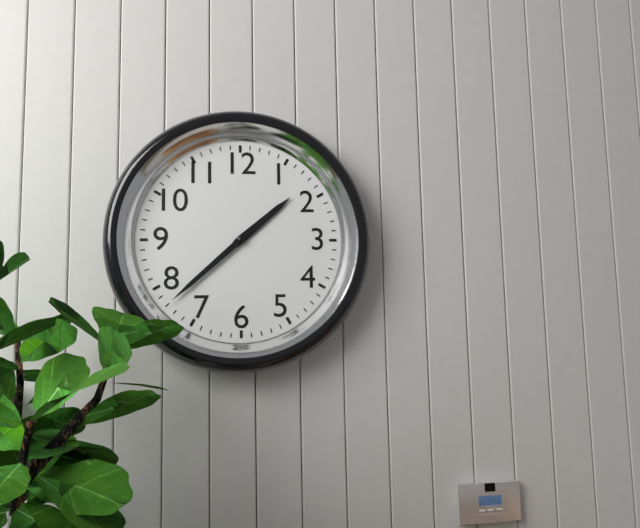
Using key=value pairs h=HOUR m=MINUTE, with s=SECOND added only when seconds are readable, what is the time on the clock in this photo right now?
h=1 m=38
